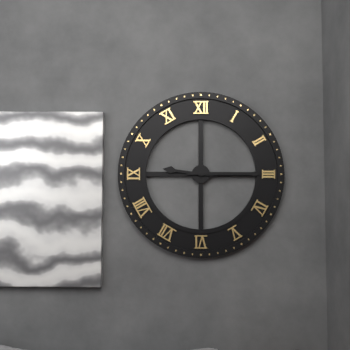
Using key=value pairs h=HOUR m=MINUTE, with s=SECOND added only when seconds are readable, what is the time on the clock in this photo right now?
h=9 m=15
